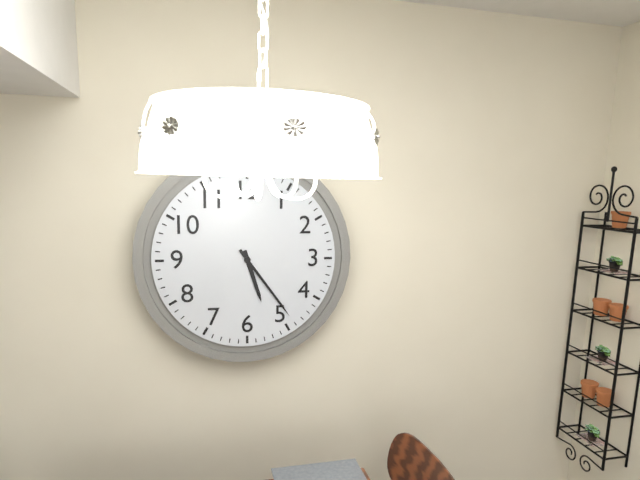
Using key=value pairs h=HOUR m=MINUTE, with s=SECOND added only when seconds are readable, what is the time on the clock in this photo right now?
h=5 m=24
